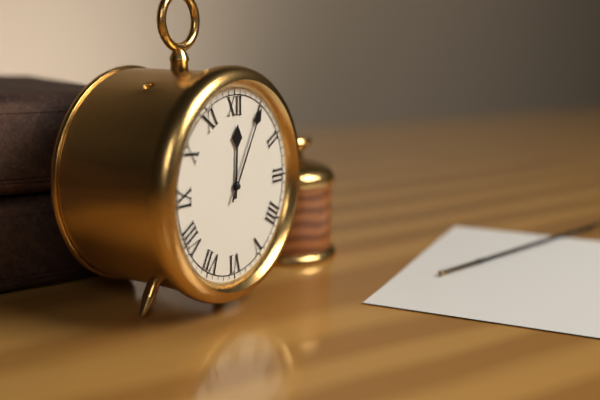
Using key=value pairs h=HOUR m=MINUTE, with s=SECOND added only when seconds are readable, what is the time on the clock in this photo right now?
h=12 m=5
